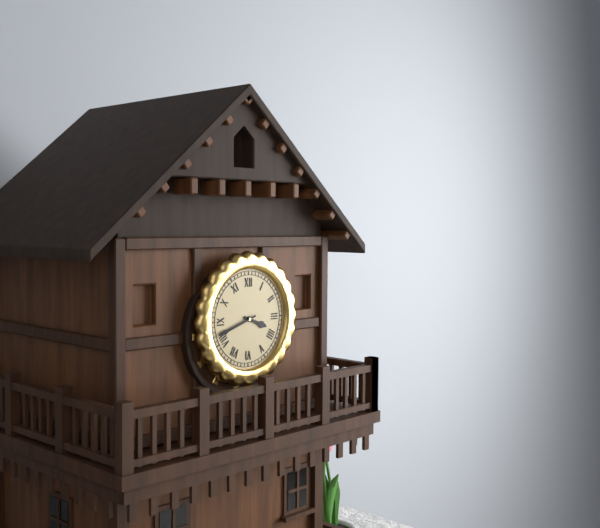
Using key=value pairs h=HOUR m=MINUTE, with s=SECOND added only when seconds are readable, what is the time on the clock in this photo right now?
h=3 m=42
